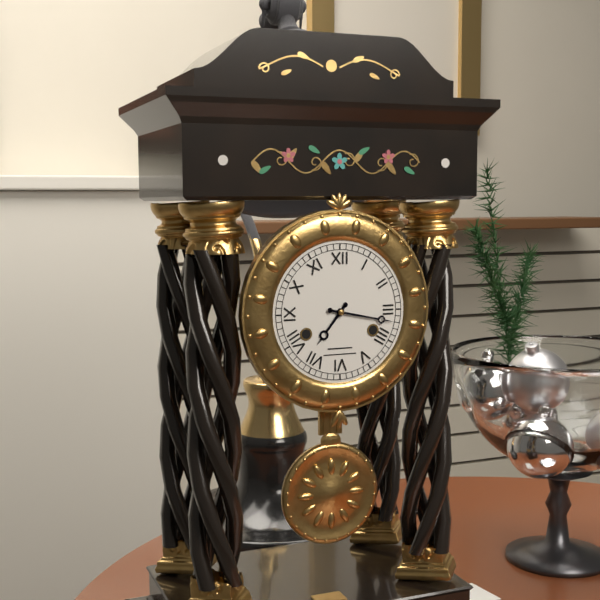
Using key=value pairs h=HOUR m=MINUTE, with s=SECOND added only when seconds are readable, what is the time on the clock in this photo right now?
h=7 m=17
